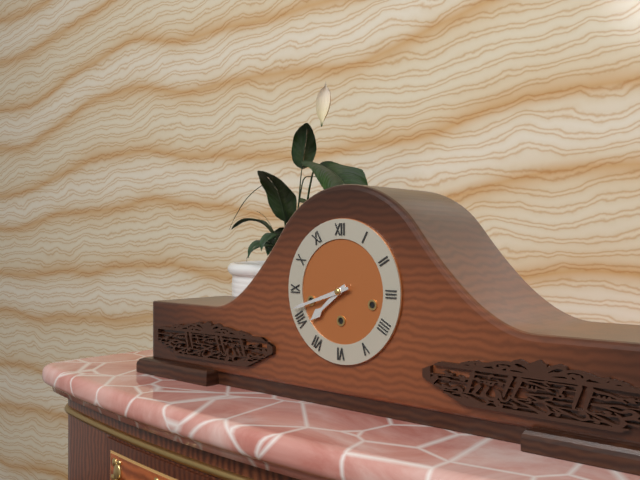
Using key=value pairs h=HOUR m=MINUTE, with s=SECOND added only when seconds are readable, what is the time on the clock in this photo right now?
h=7 m=42
